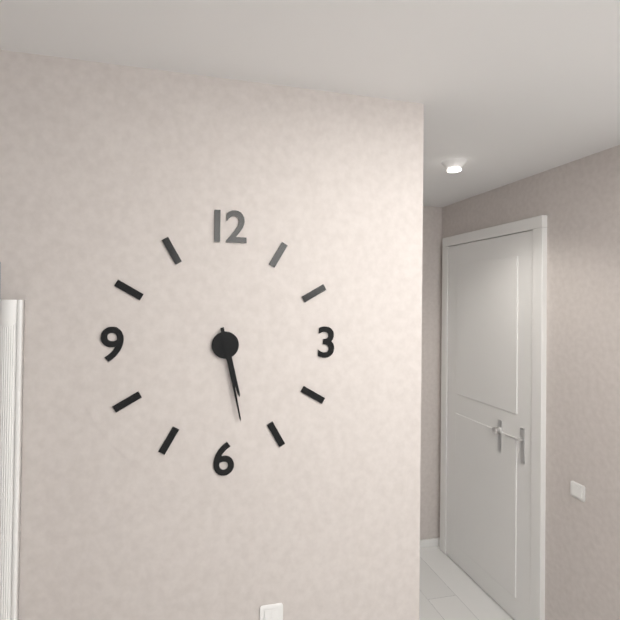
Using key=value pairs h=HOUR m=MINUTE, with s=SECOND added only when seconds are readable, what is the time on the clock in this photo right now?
h=5 m=28
